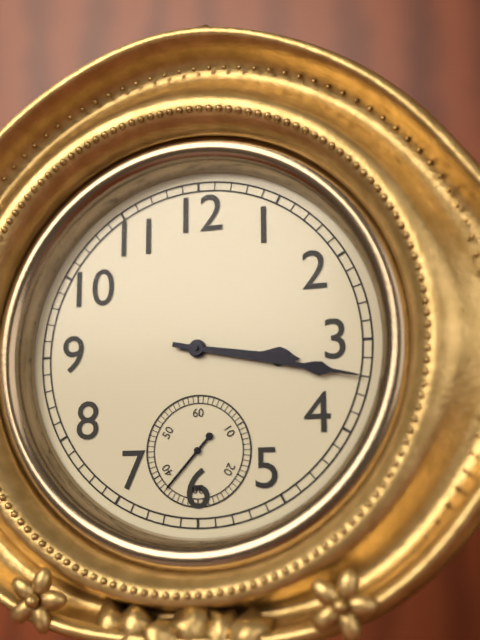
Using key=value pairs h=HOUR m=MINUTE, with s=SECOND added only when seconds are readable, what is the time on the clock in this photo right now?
h=3 m=17 s=37
